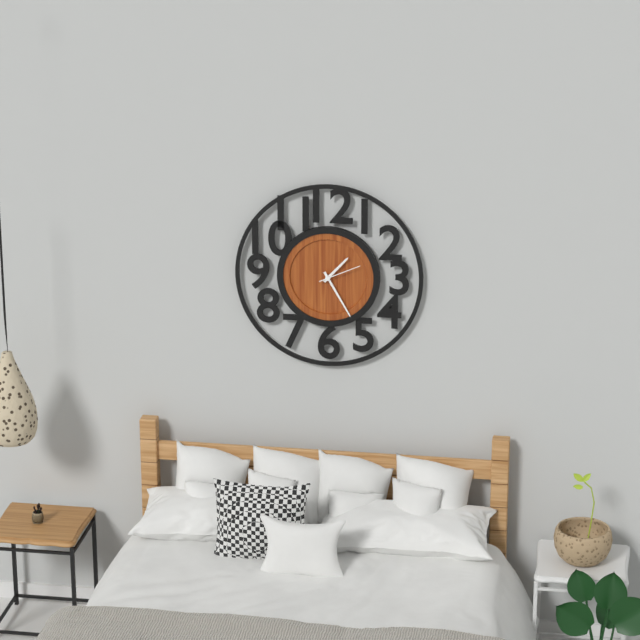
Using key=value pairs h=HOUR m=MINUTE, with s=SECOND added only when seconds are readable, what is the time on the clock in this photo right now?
h=1 m=25
